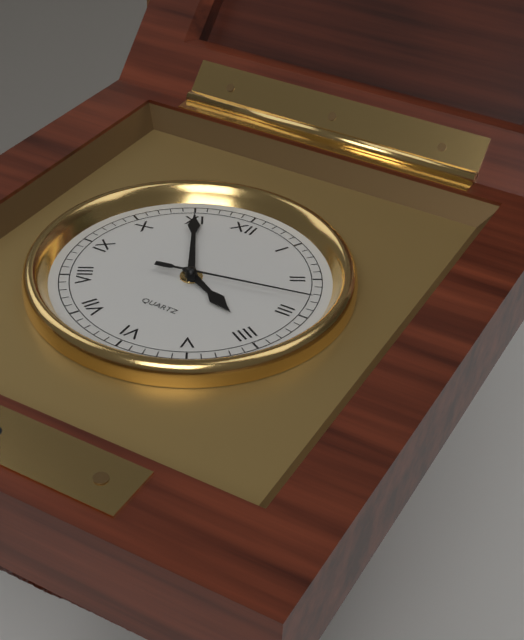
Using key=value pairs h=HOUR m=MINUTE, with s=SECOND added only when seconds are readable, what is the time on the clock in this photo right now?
h=3 m=55 s=13
